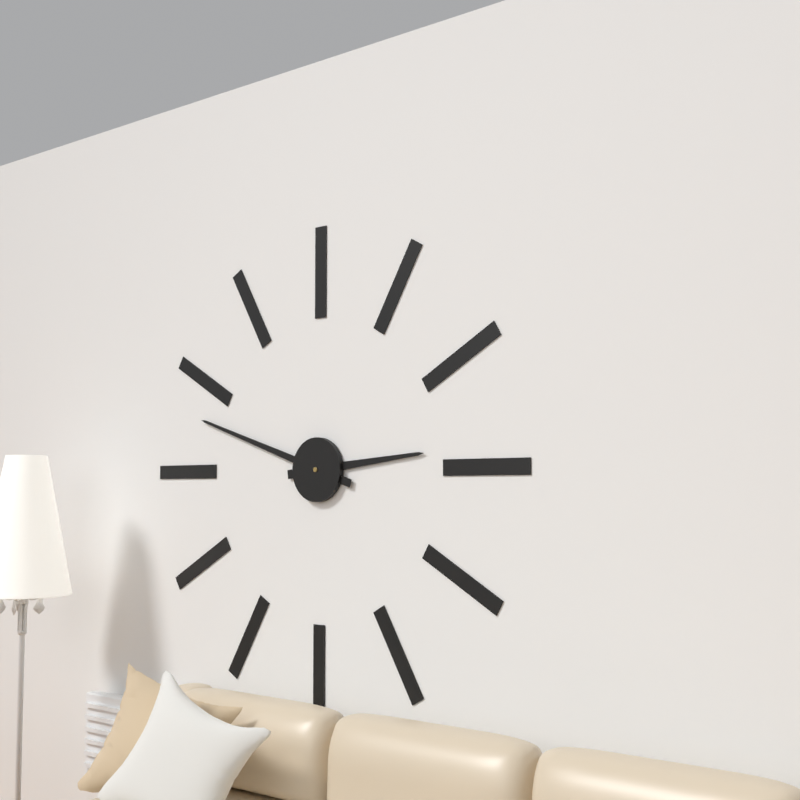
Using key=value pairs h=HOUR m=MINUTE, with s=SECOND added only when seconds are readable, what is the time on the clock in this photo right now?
h=2 m=48
